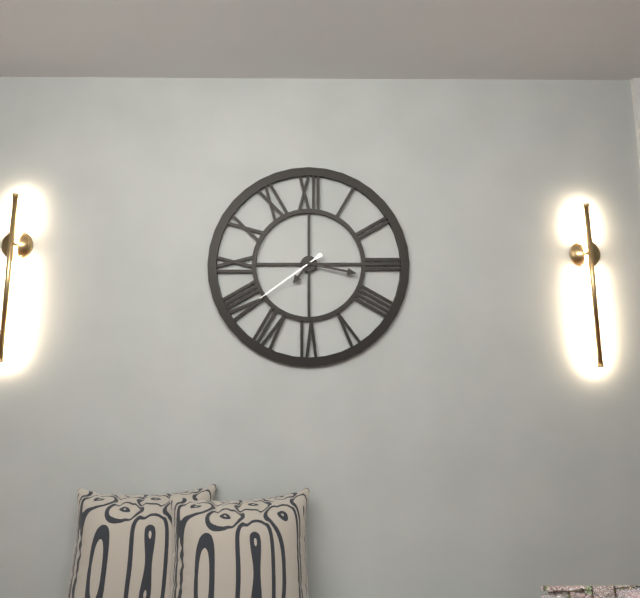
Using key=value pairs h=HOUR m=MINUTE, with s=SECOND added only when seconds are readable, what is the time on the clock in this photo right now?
h=7 m=17 s=39
